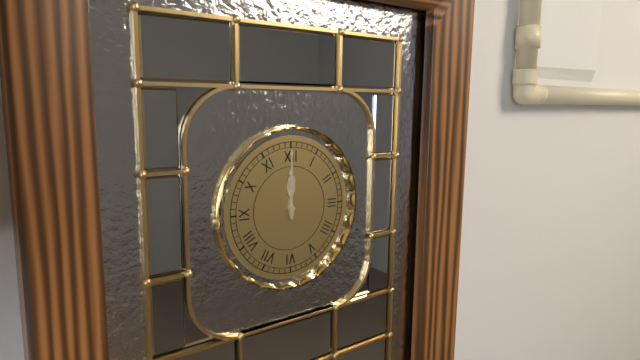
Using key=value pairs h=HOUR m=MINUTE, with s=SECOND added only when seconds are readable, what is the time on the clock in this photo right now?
h=12 m=0
